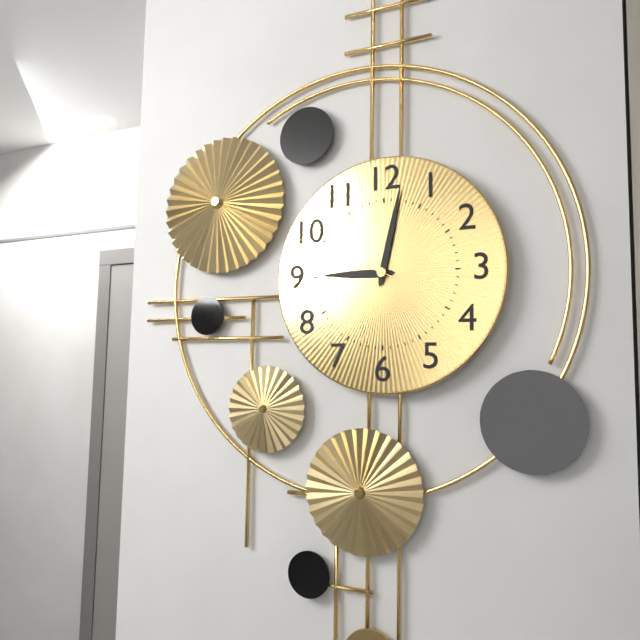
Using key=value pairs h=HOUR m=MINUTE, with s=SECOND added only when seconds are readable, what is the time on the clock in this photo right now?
h=9 m=2 s=49
